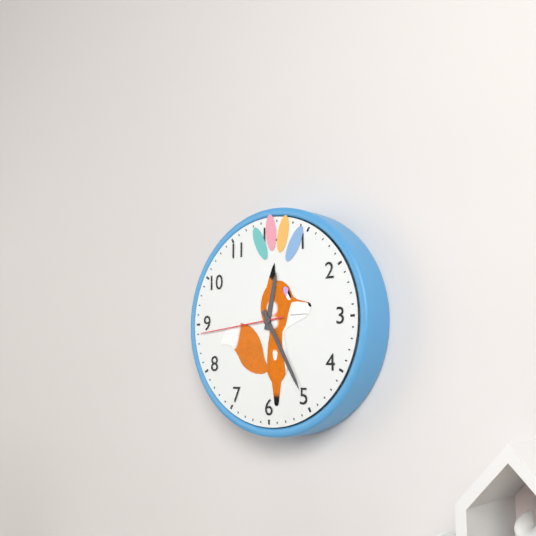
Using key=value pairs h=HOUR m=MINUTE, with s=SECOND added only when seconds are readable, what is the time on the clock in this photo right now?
h=12 m=25 s=44
